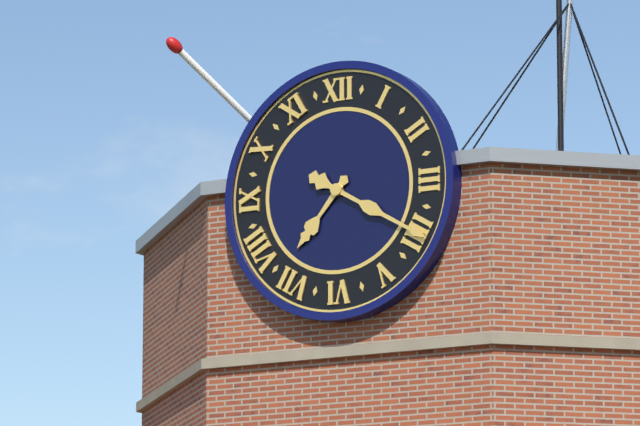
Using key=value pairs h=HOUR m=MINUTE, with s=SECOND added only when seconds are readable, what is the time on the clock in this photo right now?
h=7 m=20
